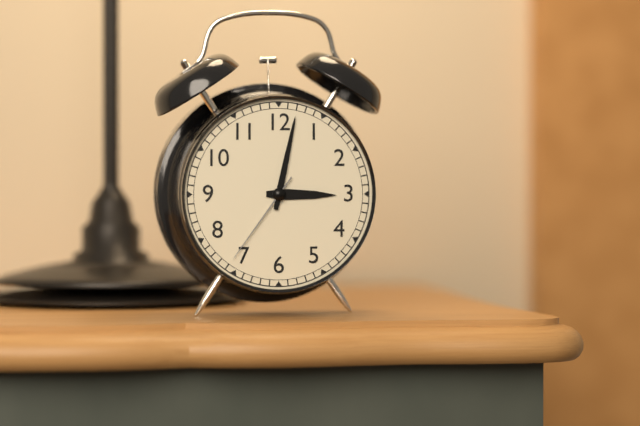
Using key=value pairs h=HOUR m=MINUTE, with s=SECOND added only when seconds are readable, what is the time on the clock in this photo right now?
h=3 m=2 s=36
